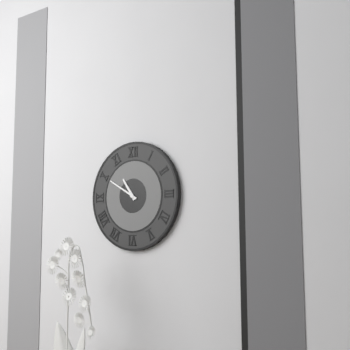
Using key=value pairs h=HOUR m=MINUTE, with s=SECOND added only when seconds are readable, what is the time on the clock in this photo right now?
h=10 m=50
